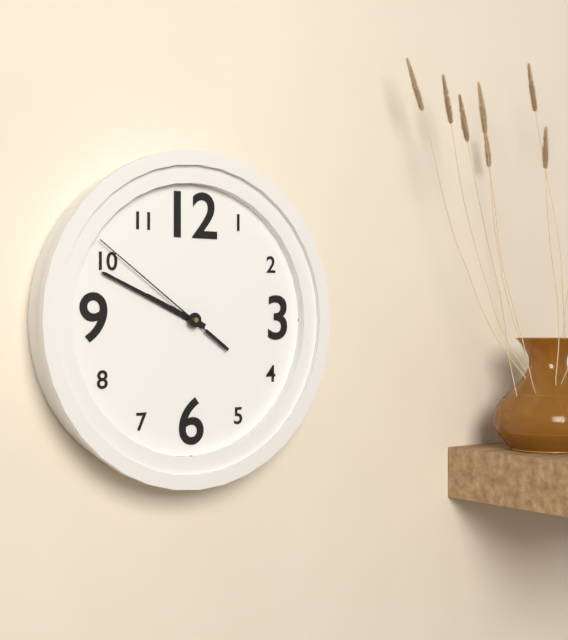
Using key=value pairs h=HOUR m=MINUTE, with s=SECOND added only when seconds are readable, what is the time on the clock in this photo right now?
h=9 m=49 s=51
